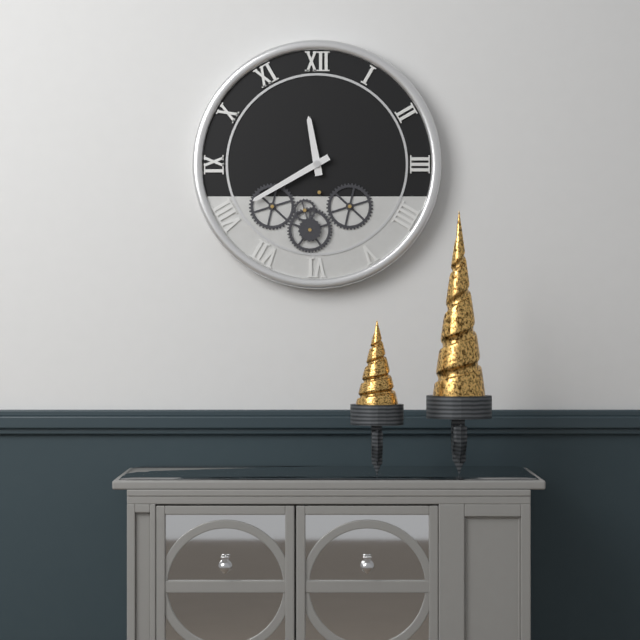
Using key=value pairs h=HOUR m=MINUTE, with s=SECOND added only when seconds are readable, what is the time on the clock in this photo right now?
h=11 m=40
